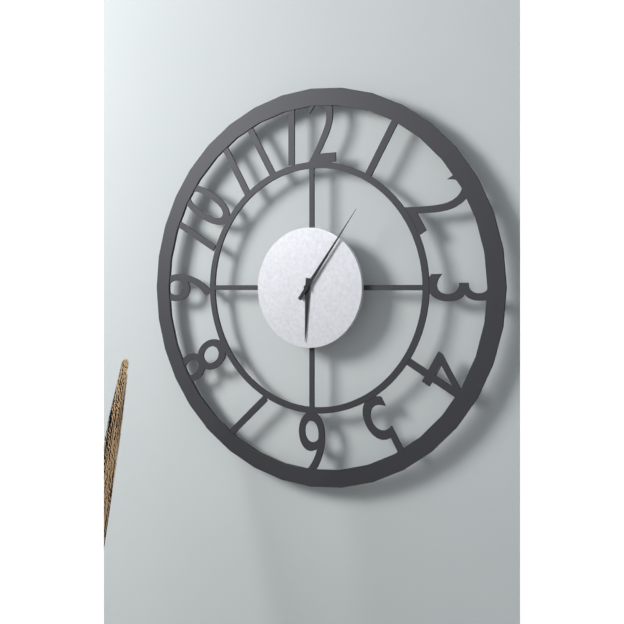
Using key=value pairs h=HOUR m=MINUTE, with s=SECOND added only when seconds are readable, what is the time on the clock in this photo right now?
h=6 m=6
